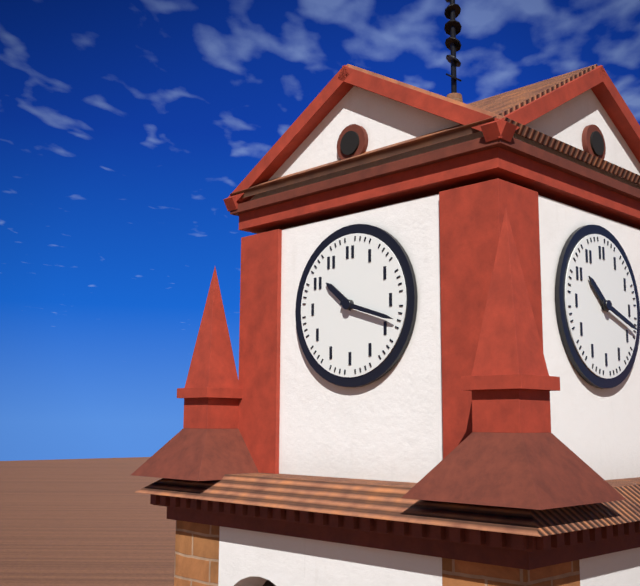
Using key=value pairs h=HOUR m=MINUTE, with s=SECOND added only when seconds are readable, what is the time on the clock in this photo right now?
h=10 m=18
